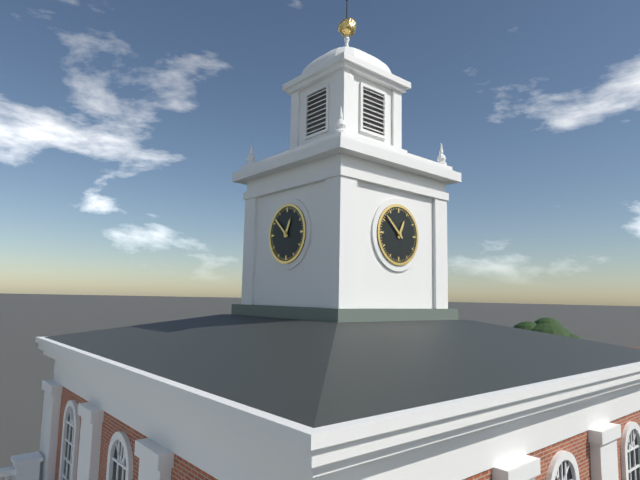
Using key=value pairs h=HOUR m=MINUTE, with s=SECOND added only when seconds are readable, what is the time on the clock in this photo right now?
h=12 m=52
